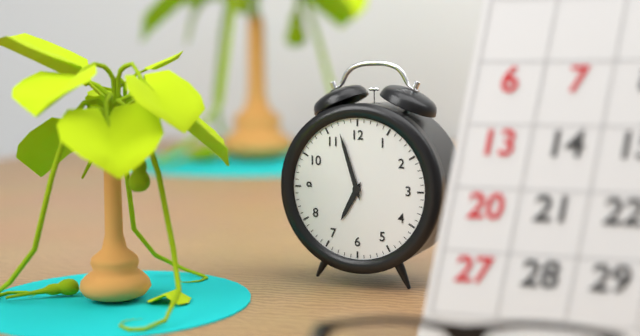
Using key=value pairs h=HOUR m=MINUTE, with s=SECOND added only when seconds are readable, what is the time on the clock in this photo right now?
h=6 m=57
